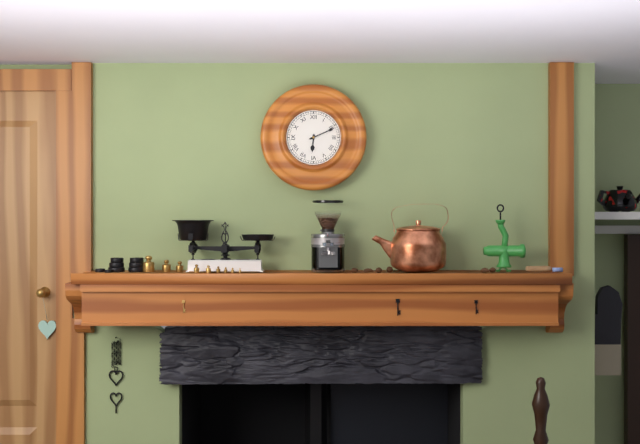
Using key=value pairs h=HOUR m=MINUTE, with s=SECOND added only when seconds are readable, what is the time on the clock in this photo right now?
h=6 m=11
